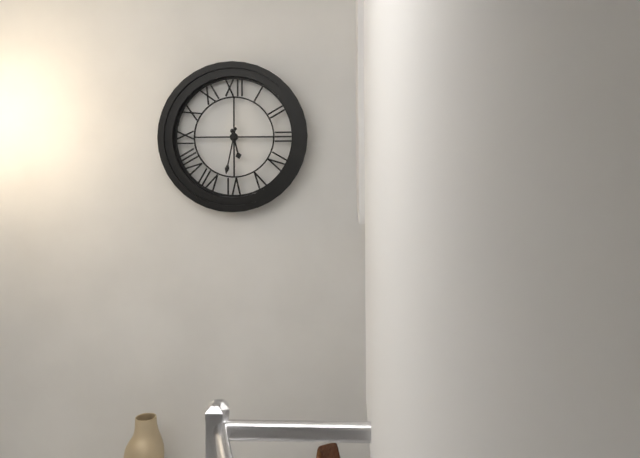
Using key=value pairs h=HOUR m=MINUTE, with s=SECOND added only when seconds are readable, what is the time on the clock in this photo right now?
h=5 m=32
